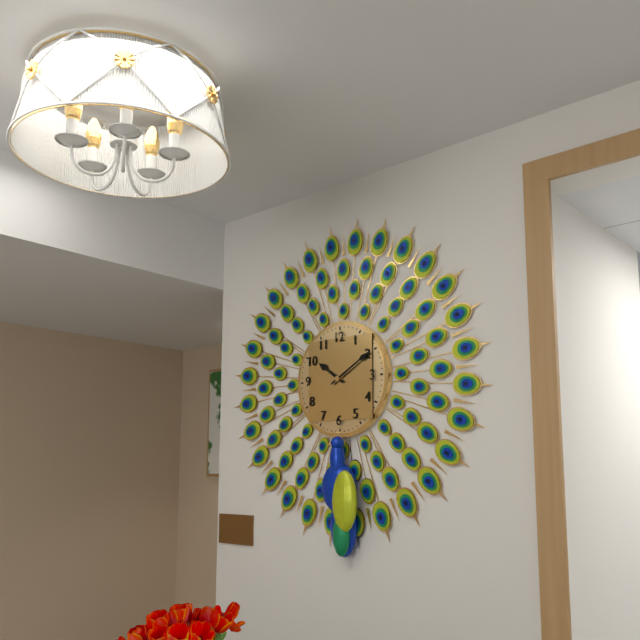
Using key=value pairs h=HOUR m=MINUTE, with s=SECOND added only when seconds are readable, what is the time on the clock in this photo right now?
h=10 m=10
